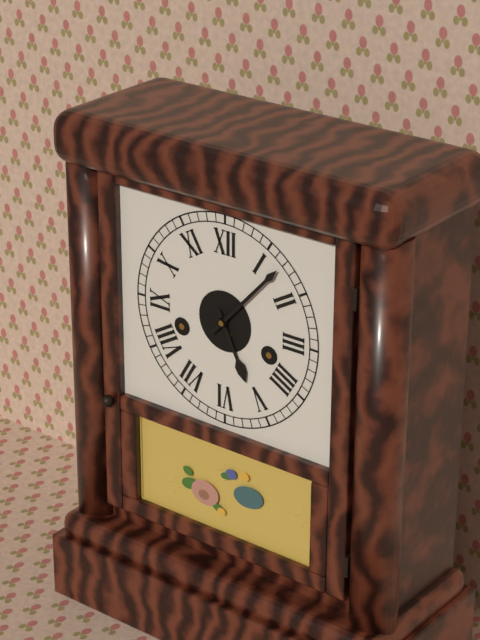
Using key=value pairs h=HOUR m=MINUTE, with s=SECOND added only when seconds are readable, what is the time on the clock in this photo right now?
h=5 m=7
